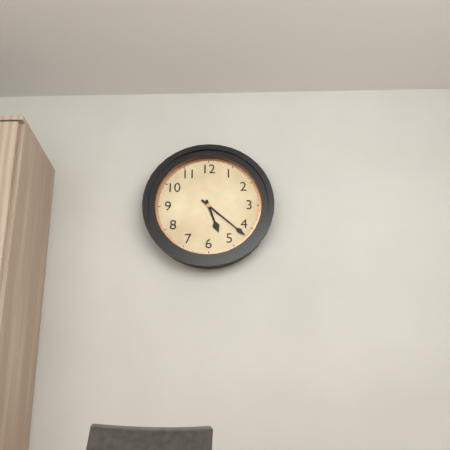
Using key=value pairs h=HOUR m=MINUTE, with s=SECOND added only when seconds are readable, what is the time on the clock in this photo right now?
h=5 m=22
